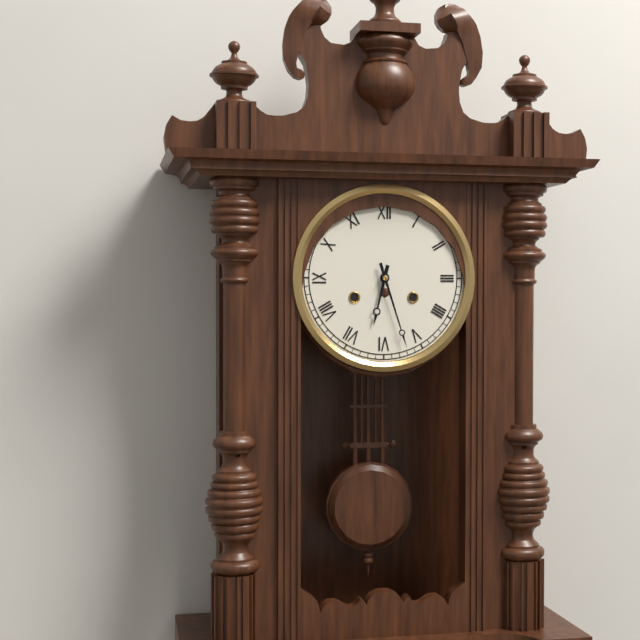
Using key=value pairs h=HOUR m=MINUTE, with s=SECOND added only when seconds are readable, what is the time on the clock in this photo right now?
h=6 m=27
